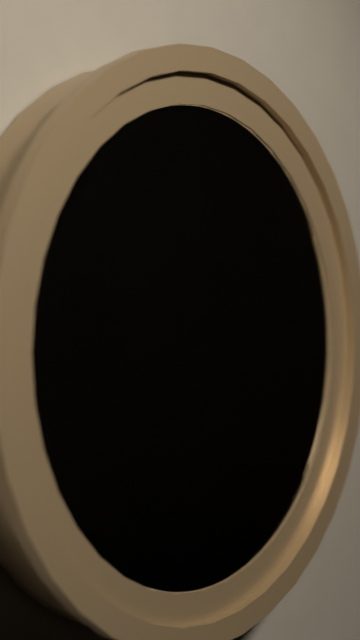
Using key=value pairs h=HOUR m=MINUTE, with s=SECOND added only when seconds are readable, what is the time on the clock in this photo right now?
h=5 m=35 s=44
